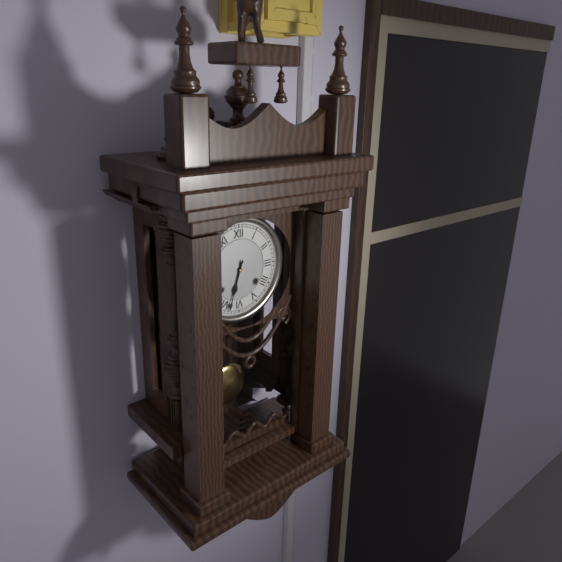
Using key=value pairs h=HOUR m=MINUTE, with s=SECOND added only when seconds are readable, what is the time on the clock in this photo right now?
h=6 m=33
